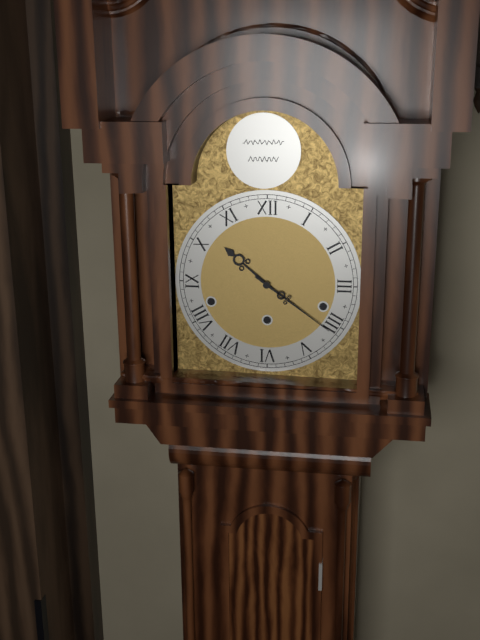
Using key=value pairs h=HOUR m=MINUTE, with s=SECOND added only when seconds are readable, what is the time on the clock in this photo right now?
h=10 m=21
